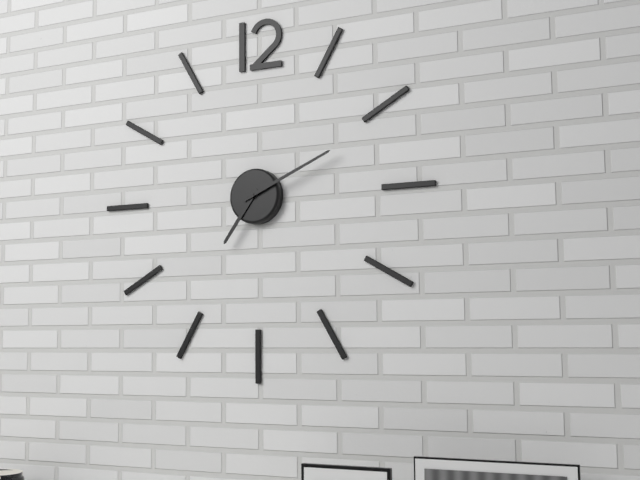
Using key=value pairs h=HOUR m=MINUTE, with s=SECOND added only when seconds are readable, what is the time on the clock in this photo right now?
h=7 m=11
